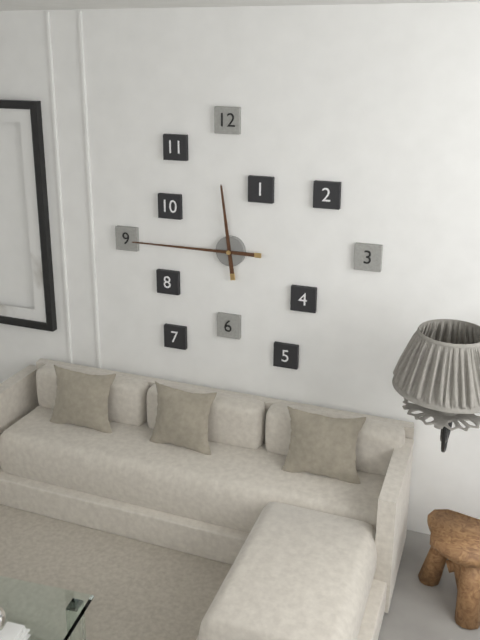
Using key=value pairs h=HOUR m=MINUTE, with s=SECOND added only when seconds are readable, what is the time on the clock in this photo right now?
h=11 m=45
